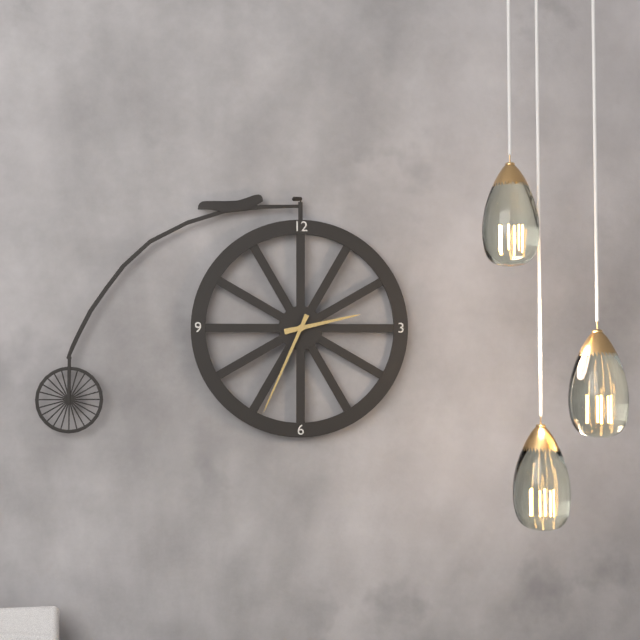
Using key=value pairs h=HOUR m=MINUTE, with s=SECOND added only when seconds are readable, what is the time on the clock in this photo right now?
h=2 m=34
